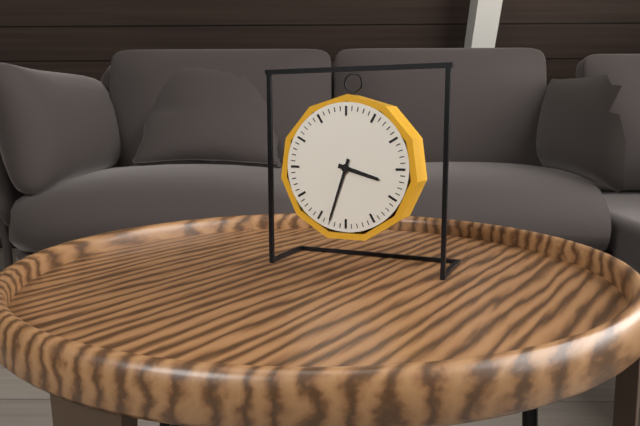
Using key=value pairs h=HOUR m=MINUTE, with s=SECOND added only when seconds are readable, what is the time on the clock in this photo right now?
h=3 m=33
